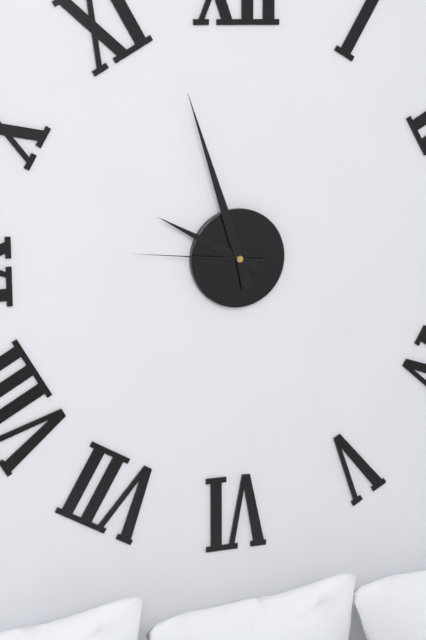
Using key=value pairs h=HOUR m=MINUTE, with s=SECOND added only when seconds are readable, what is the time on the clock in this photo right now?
h=9 m=57 s=46
